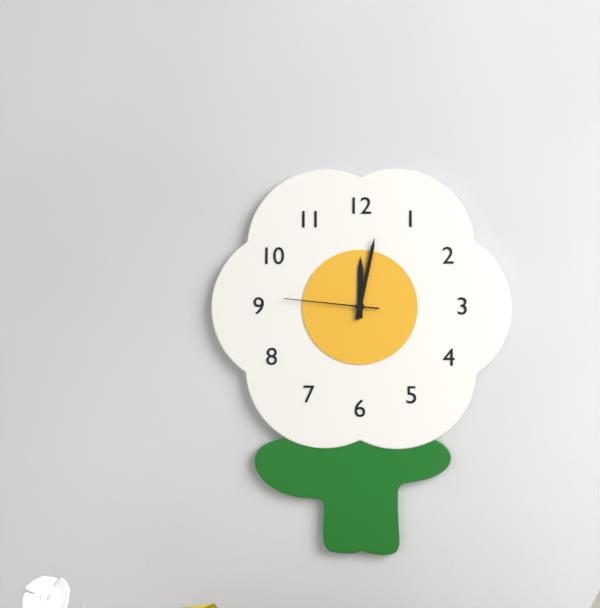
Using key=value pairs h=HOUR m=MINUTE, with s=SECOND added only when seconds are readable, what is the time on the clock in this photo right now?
h=12 m=2 s=46
